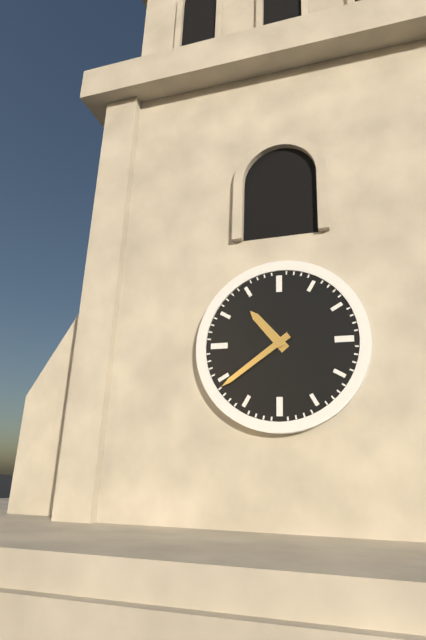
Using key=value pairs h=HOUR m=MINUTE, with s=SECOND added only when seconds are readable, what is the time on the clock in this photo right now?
h=10 m=39
